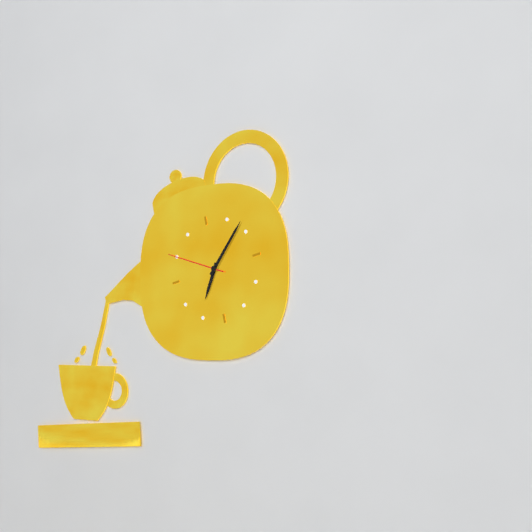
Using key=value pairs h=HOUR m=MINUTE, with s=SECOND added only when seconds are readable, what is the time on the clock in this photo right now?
h=7 m=8 s=50
